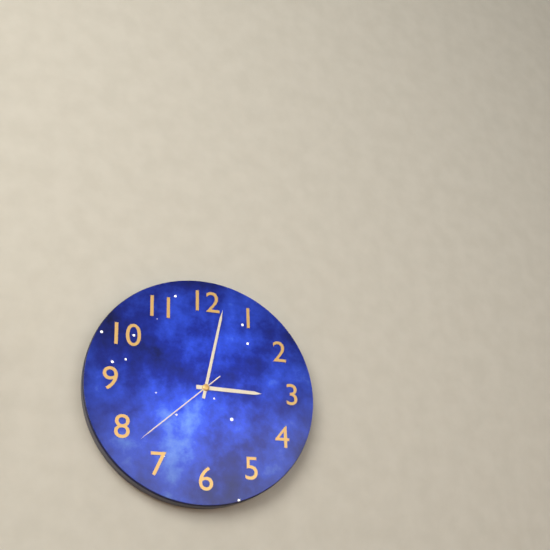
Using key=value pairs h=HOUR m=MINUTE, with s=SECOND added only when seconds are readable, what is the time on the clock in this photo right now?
h=3 m=2 s=38
